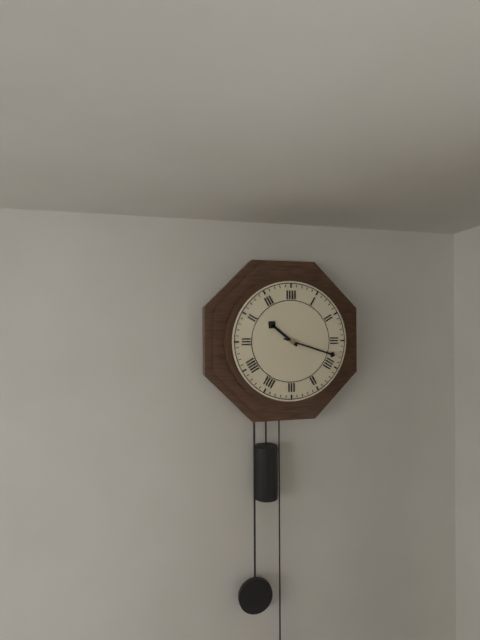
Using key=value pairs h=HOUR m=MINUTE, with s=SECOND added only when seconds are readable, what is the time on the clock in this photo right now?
h=10 m=18
